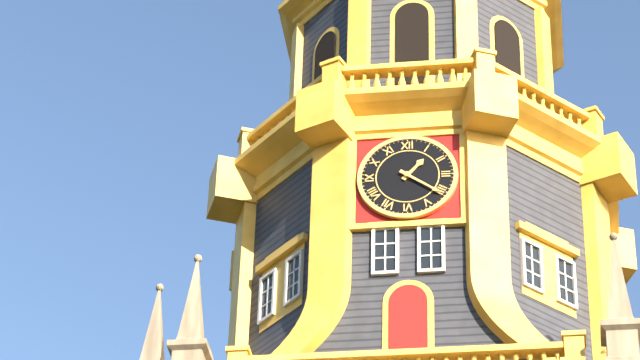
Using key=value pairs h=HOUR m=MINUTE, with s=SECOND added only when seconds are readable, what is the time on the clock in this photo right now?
h=1 m=21
